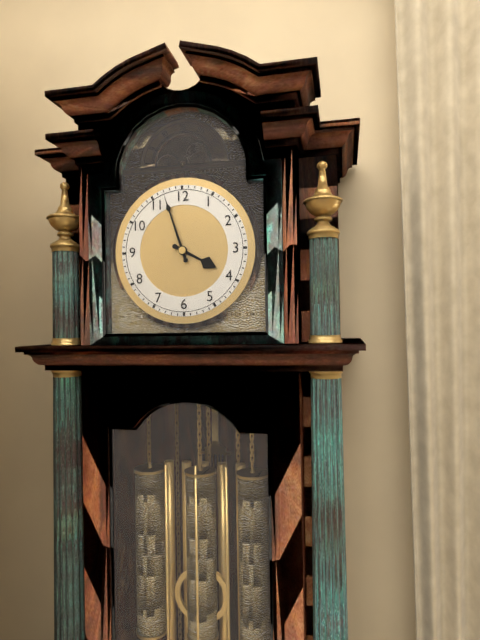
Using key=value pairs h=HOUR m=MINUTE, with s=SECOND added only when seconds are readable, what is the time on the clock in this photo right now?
h=3 m=57
